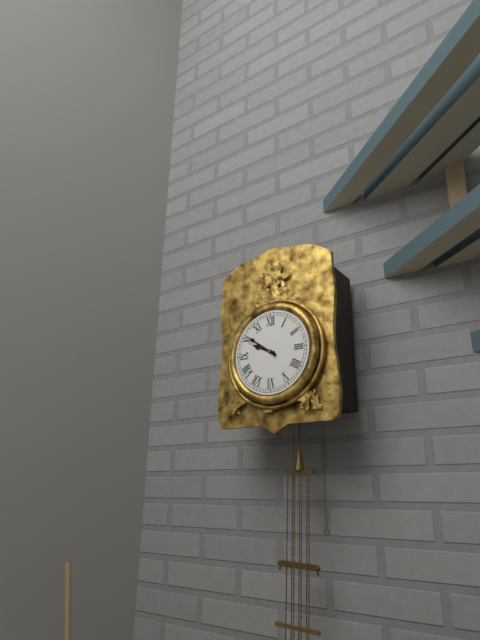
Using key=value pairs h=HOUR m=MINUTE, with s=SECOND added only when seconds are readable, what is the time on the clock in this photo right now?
h=9 m=51
